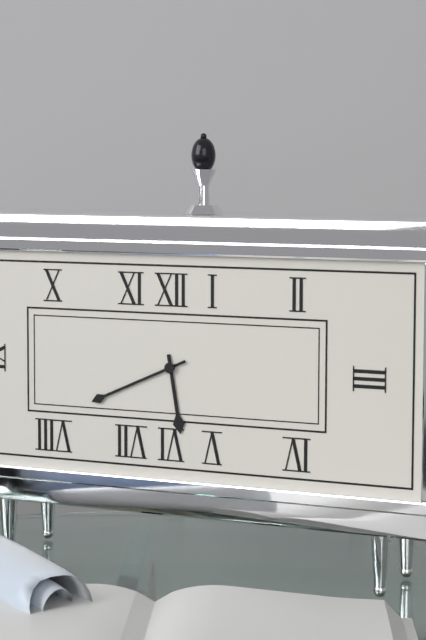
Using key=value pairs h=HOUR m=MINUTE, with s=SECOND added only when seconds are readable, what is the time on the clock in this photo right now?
h=5 m=41
